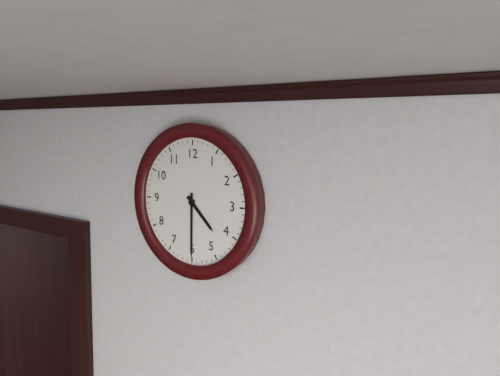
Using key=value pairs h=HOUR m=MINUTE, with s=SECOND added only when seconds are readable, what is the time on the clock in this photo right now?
h=4 m=30
